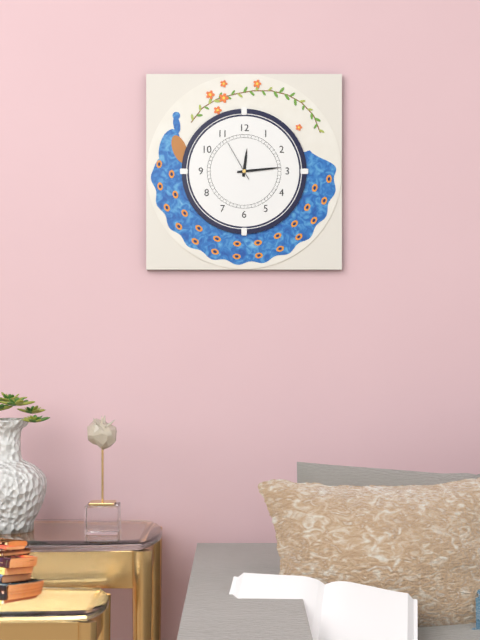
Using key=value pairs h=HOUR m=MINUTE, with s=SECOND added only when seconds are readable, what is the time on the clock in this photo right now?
h=12 m=14
